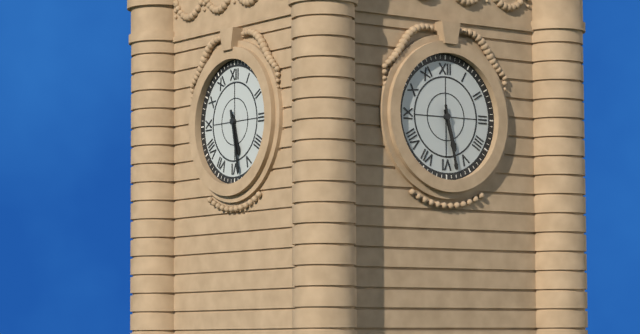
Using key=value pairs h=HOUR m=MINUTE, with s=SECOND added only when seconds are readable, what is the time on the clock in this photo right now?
h=5 m=28
